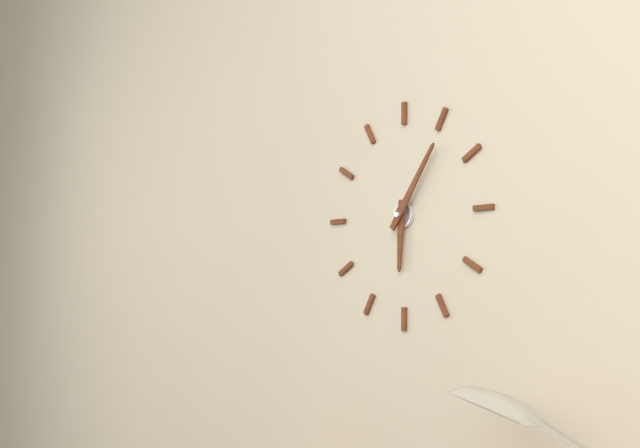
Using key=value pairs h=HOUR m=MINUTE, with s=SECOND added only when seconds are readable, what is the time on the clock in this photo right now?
h=6 m=6
